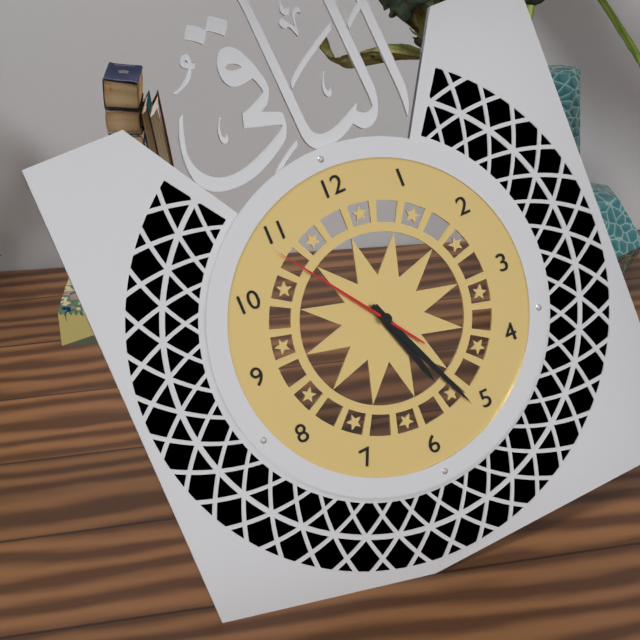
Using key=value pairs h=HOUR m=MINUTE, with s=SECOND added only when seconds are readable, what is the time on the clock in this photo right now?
h=5 m=26 s=54
